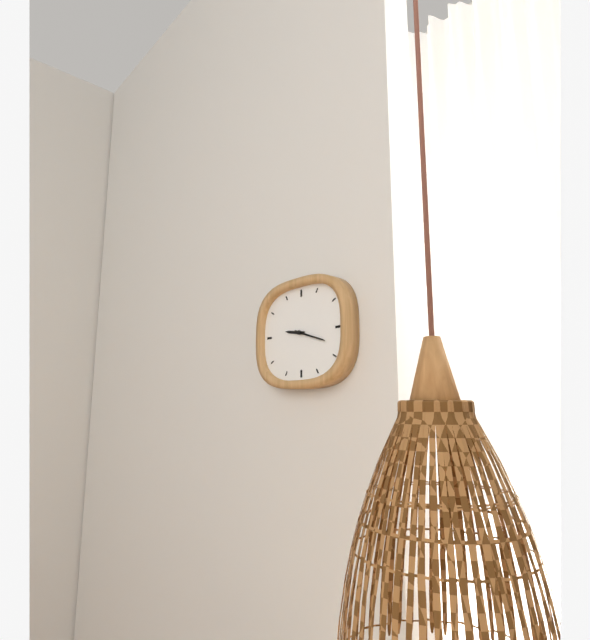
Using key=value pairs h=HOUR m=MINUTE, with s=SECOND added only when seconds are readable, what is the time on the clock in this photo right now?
h=9 m=18
